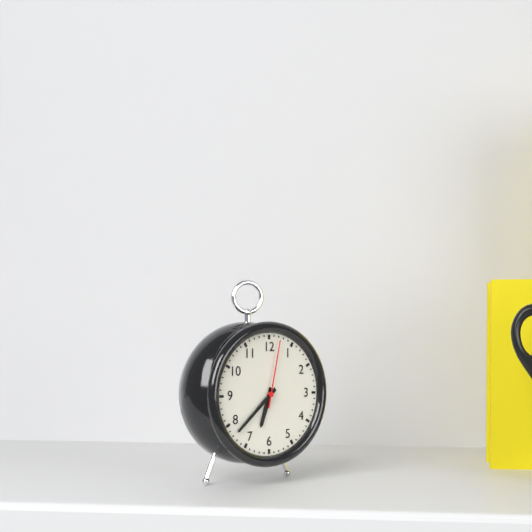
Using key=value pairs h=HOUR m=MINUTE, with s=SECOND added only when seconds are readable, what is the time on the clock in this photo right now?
h=6 m=38 s=2
